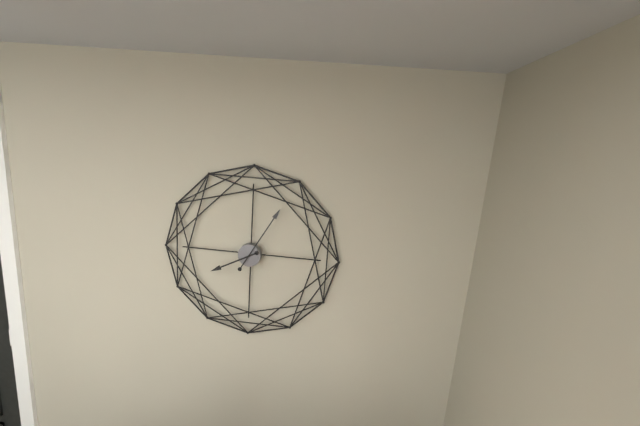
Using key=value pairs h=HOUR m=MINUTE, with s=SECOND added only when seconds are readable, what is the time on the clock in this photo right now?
h=8 m=5
